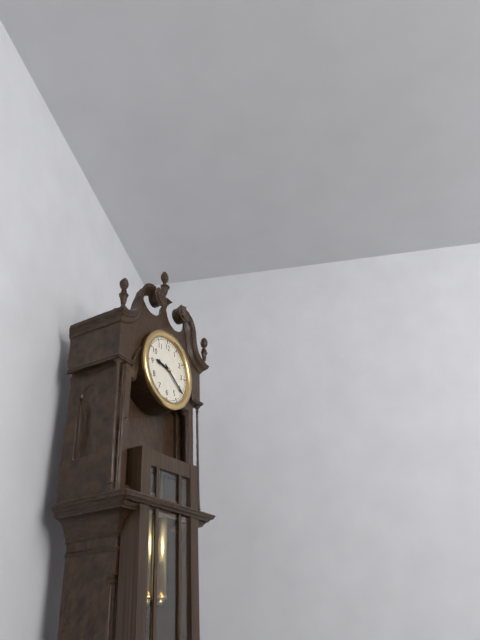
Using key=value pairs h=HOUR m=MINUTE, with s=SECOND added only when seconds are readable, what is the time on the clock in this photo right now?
h=9 m=21
